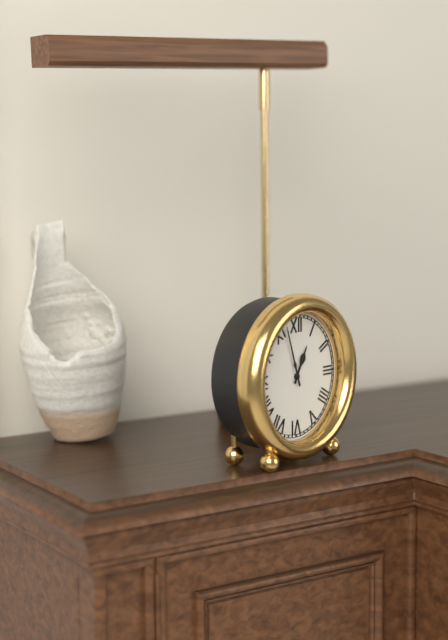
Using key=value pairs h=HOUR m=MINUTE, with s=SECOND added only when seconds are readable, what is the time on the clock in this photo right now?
h=12 m=57
